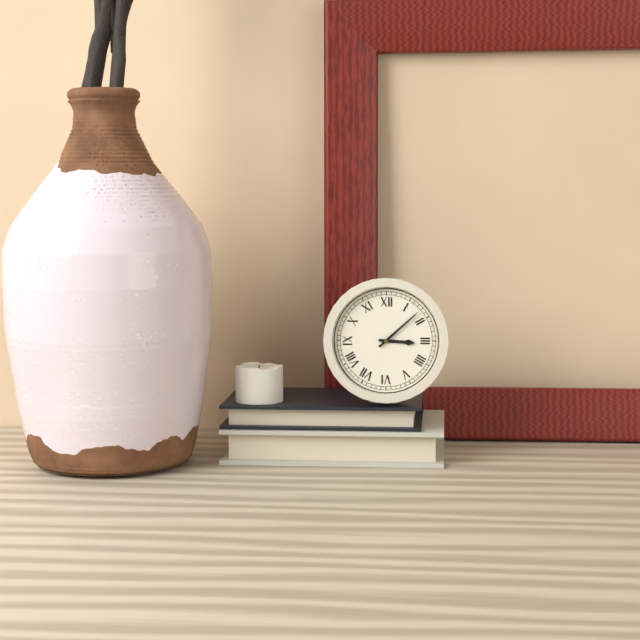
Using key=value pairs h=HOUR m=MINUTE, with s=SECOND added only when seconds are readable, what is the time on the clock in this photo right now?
h=3 m=8
